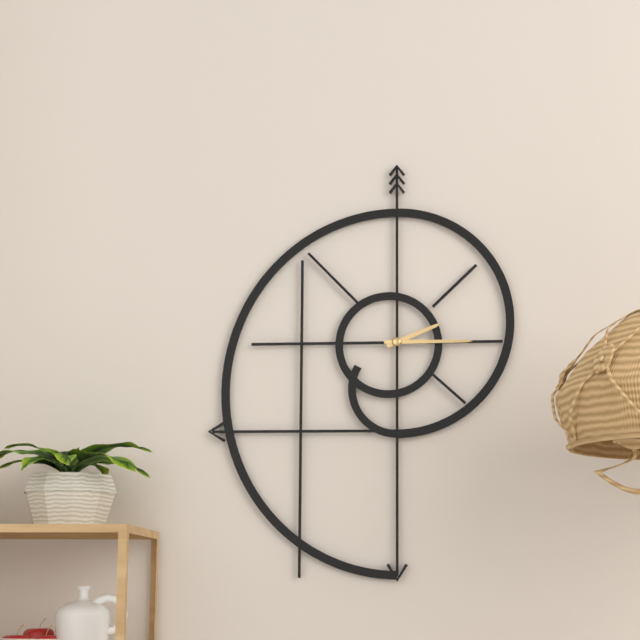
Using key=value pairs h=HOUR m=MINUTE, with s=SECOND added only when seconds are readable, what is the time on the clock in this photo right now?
h=2 m=15
